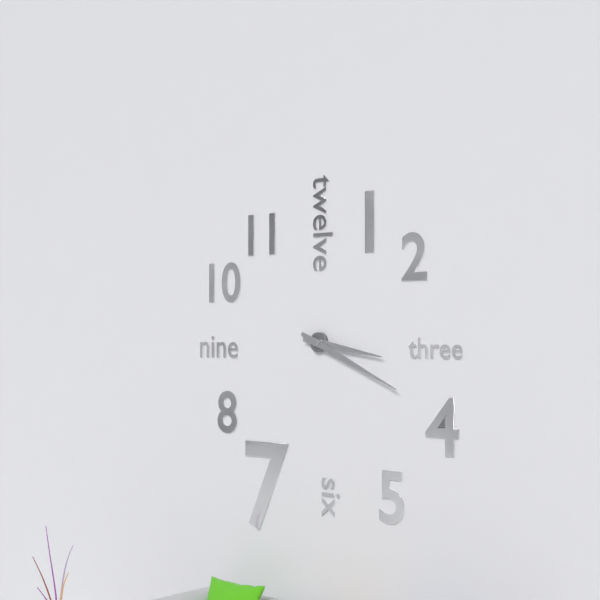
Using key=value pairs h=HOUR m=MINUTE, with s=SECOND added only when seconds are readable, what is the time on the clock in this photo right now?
h=3 m=19
